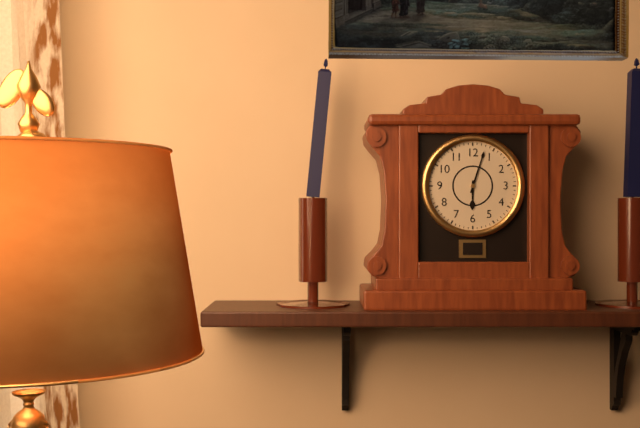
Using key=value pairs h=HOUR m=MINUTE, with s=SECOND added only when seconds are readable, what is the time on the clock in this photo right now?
h=6 m=3
